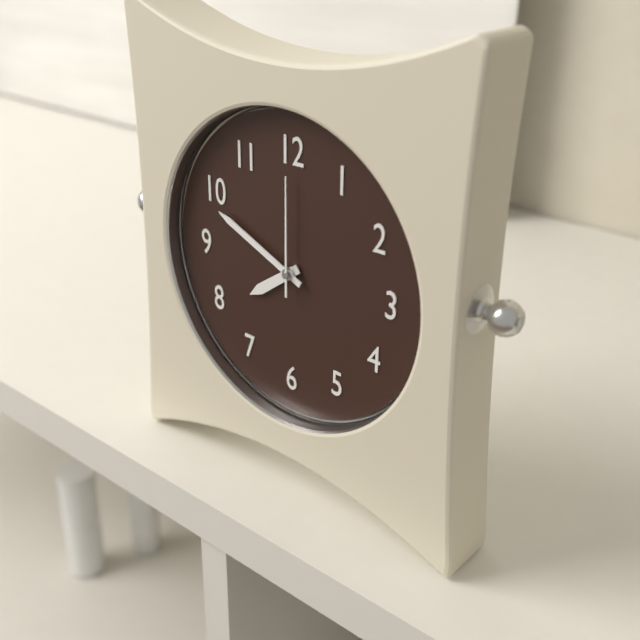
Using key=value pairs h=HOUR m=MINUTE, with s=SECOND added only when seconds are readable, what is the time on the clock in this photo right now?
h=7 m=49 s=0
